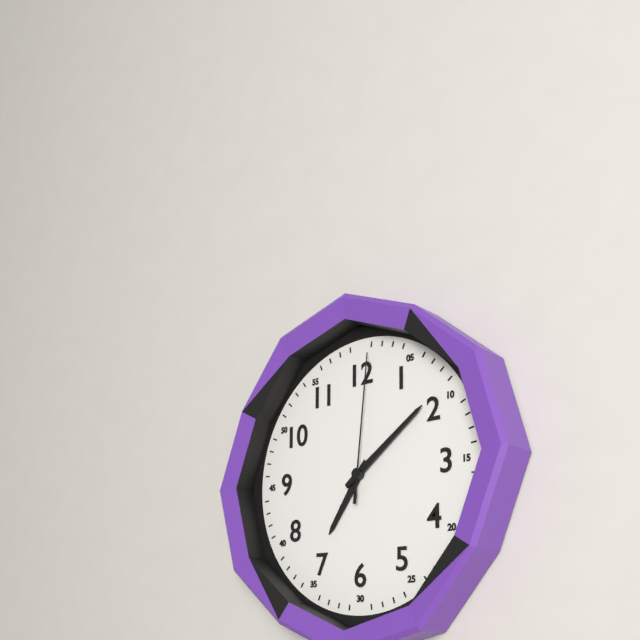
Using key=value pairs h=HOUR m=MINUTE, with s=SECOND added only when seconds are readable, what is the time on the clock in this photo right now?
h=7 m=9 s=1
